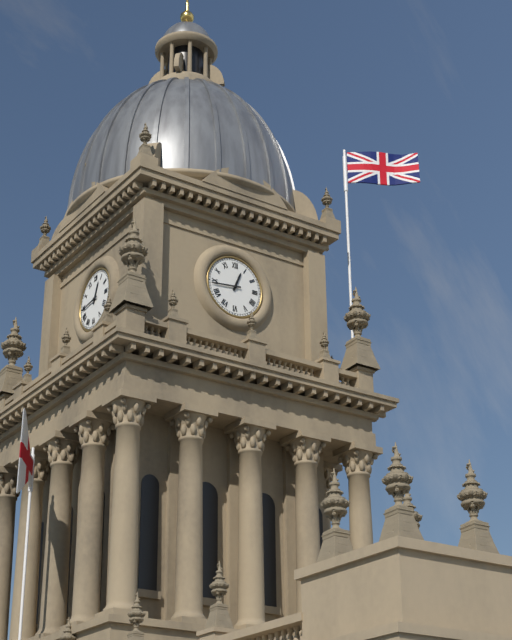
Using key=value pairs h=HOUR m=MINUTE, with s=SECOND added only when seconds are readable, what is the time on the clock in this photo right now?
h=12 m=44
